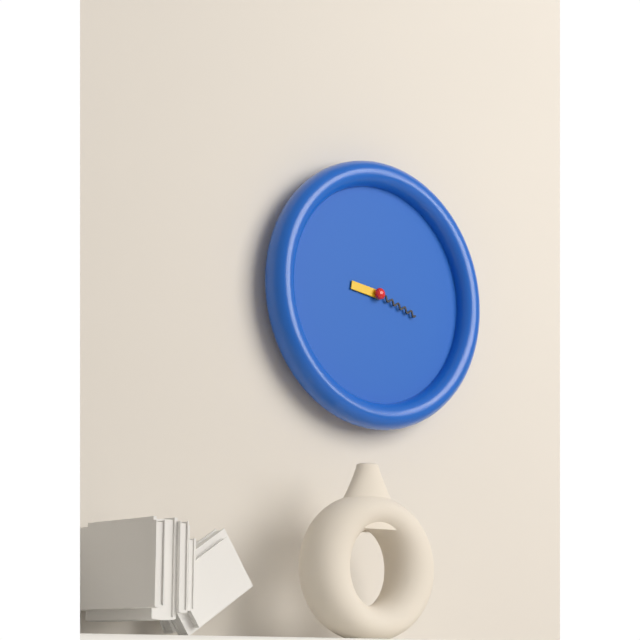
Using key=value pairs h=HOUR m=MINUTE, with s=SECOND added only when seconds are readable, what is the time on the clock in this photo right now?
h=9 m=18
